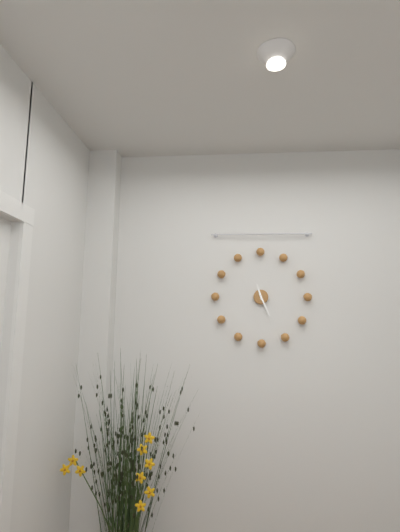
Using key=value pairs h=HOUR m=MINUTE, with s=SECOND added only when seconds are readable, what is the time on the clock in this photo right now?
h=11 m=26
